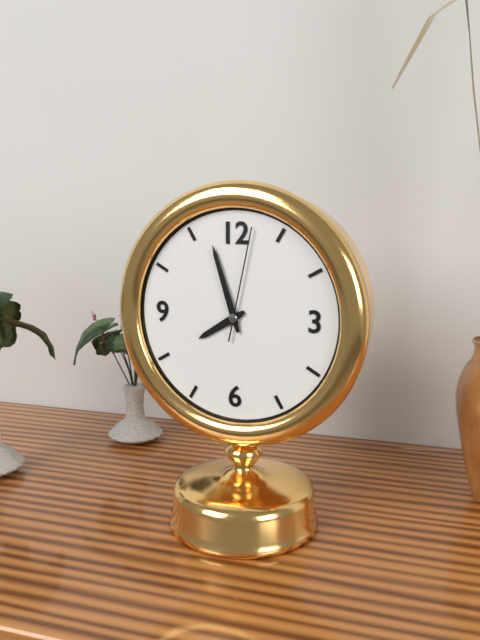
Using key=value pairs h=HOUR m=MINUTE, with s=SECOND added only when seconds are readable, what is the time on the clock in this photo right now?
h=7 m=57 s=2
